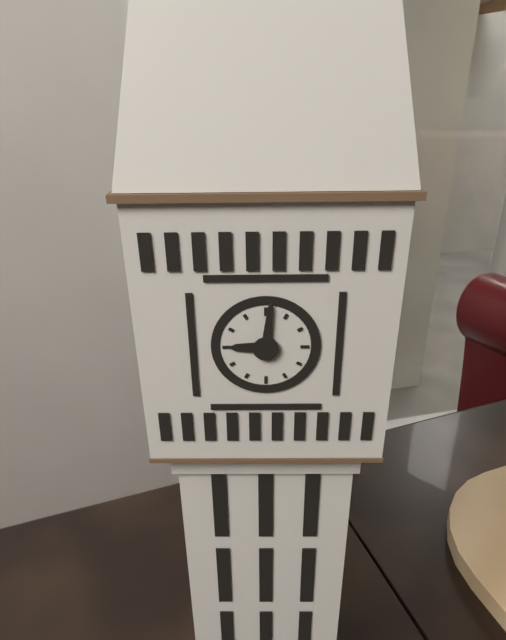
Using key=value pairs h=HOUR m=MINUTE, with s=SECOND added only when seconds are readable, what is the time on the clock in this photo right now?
h=9 m=1
